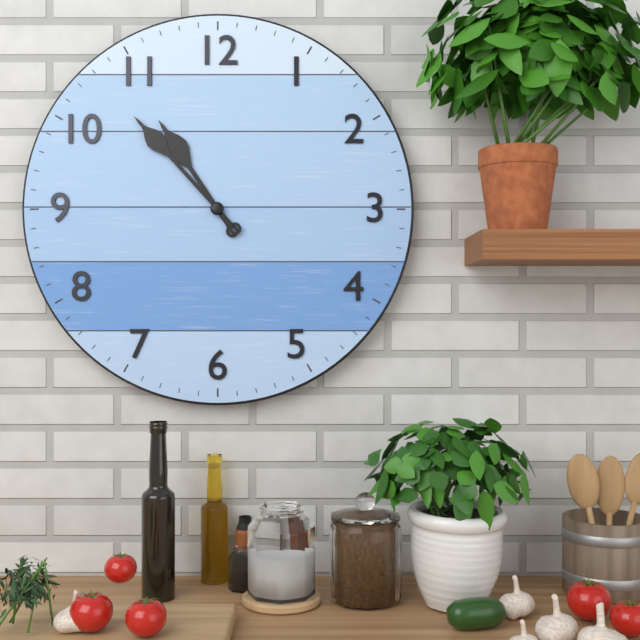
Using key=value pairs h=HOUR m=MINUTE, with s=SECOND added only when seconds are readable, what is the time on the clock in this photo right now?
h=10 m=53
